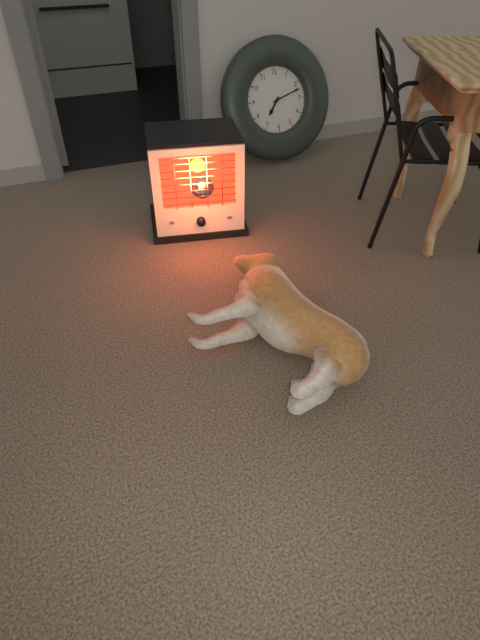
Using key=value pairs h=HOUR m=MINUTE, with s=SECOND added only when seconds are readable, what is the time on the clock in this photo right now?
h=7 m=12
